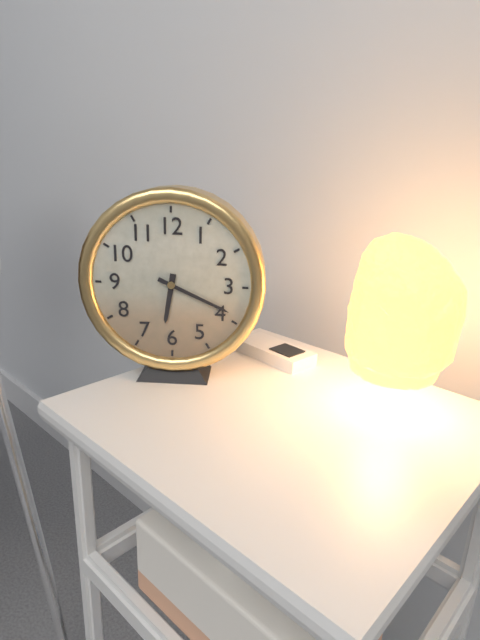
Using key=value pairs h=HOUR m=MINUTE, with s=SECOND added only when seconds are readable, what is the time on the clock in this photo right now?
h=6 m=19
